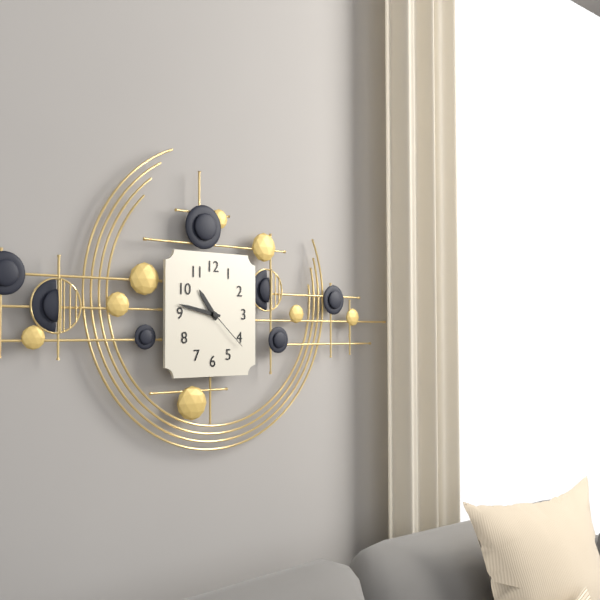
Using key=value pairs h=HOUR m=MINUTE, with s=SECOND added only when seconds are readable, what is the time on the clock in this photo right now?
h=10 m=47 s=22
